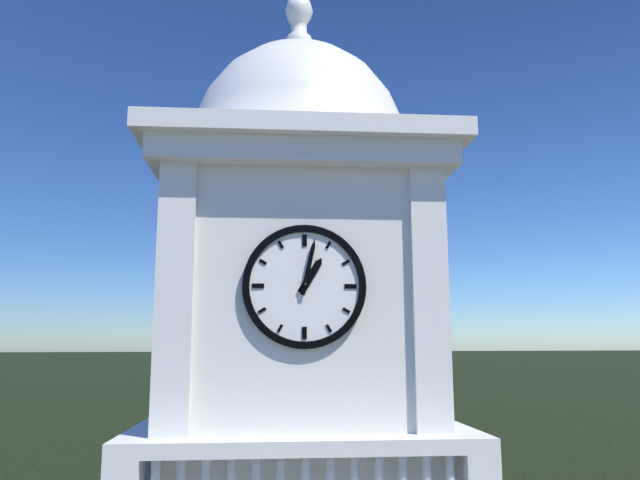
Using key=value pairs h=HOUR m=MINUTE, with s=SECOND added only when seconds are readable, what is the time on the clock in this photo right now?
h=1 m=2
